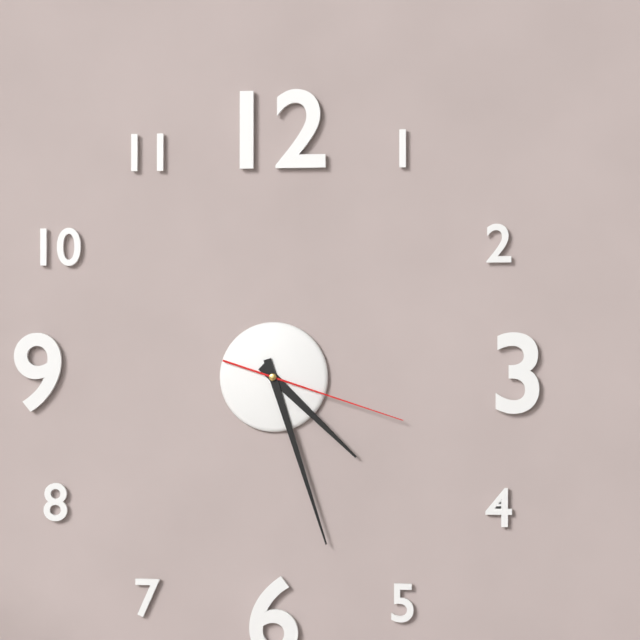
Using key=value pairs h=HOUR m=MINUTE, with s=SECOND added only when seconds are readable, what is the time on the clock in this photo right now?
h=4 m=27 s=18
